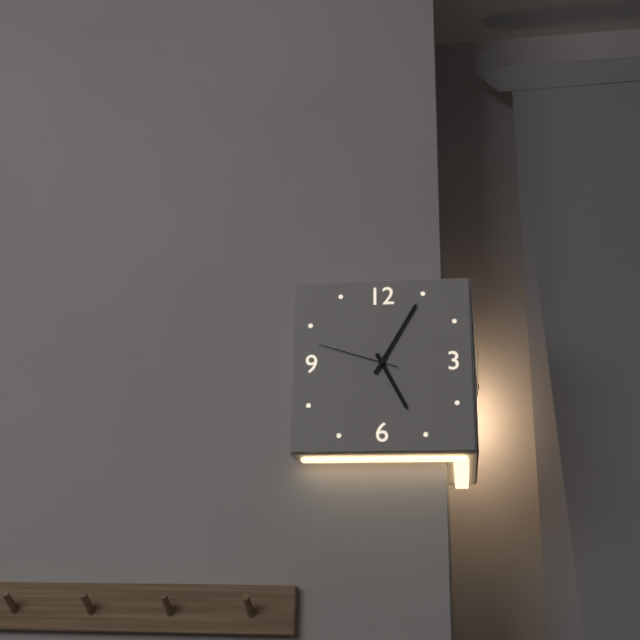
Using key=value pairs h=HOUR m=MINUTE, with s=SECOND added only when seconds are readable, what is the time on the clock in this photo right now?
h=5 m=5 s=48
